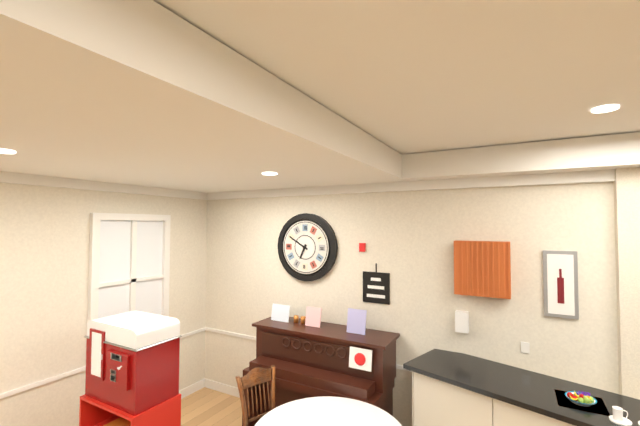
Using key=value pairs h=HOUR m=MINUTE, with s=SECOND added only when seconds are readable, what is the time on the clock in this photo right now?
h=6 m=50
